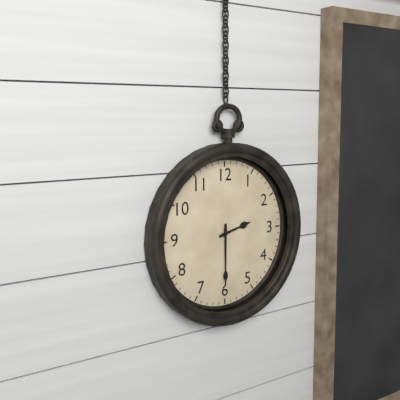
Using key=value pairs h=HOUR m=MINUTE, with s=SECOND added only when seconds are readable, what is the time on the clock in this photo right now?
h=2 m=30
